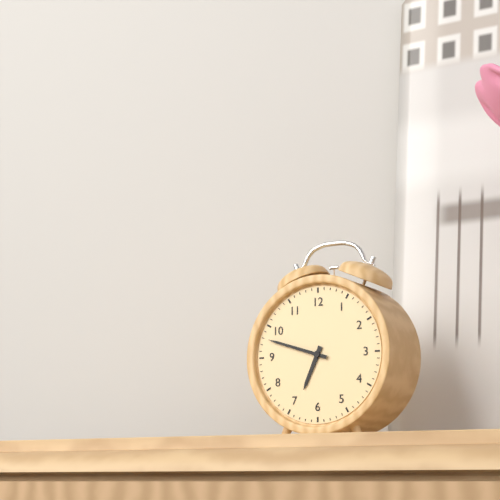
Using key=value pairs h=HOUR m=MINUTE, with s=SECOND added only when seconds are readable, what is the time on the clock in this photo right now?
h=6 m=48
